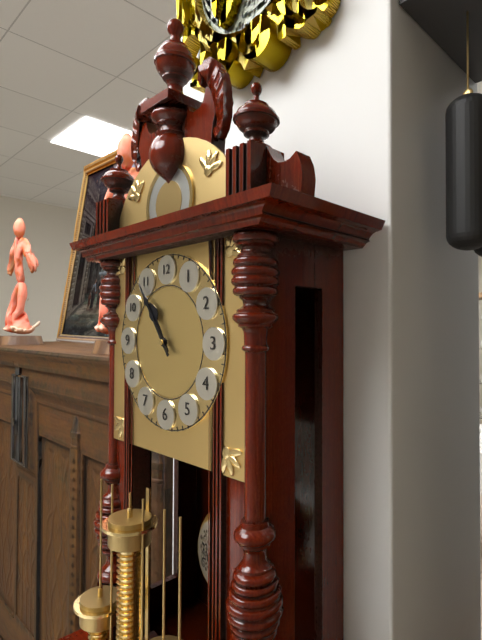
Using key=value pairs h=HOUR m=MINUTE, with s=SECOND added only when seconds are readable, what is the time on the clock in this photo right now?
h=10 m=54
